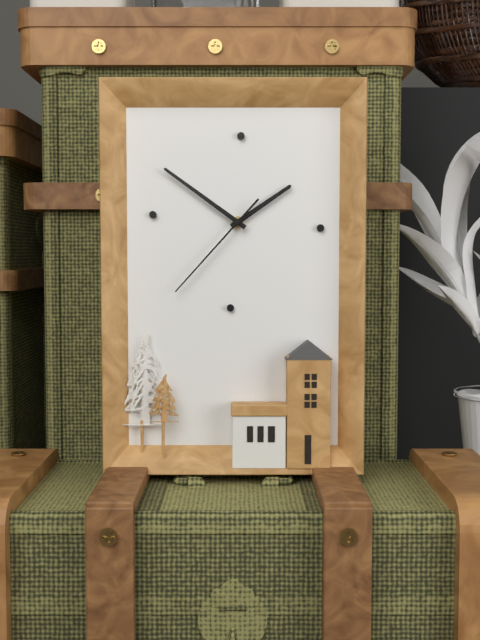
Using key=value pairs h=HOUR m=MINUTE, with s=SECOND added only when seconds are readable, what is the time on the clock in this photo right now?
h=1 m=51 s=37
